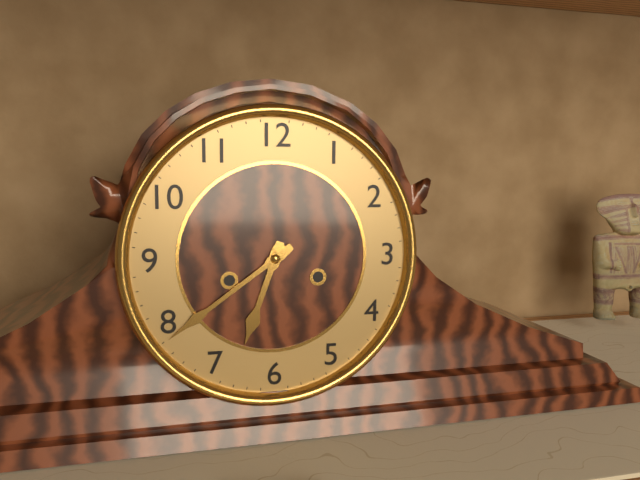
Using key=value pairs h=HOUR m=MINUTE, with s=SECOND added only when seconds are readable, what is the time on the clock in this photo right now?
h=6 m=39
